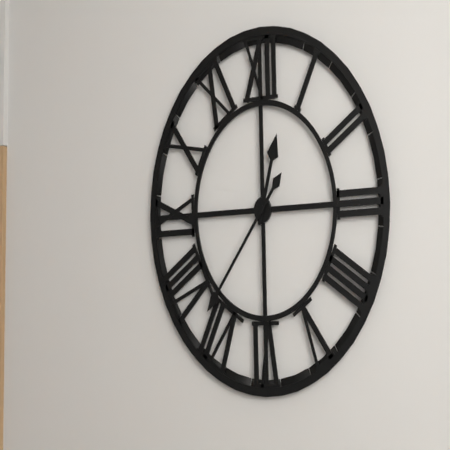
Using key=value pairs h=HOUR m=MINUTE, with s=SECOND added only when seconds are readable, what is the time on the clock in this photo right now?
h=12 m=37
